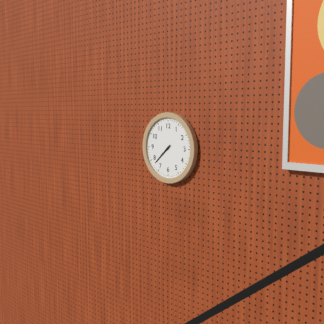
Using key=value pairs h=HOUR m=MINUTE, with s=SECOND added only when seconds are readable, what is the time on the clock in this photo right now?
h=7 m=38
